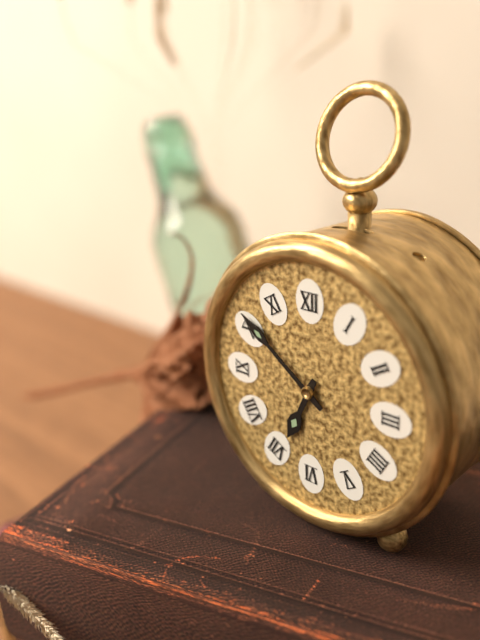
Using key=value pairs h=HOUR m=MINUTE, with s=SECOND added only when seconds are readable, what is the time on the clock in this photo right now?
h=6 m=51
